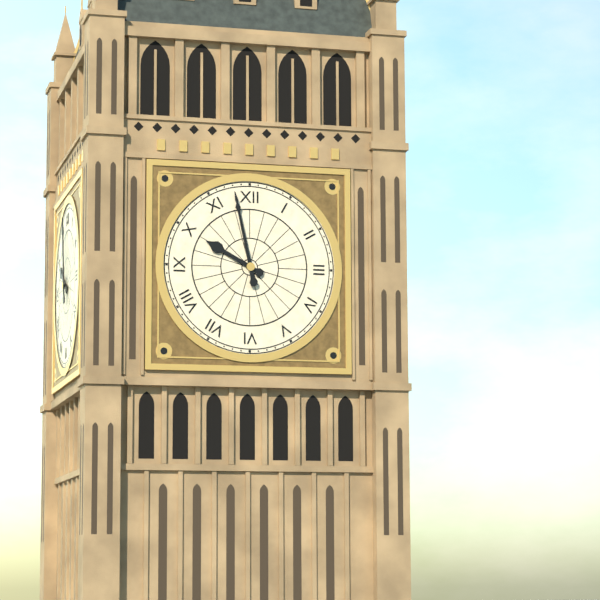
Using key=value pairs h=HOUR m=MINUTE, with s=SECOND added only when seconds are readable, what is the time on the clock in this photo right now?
h=9 m=58
